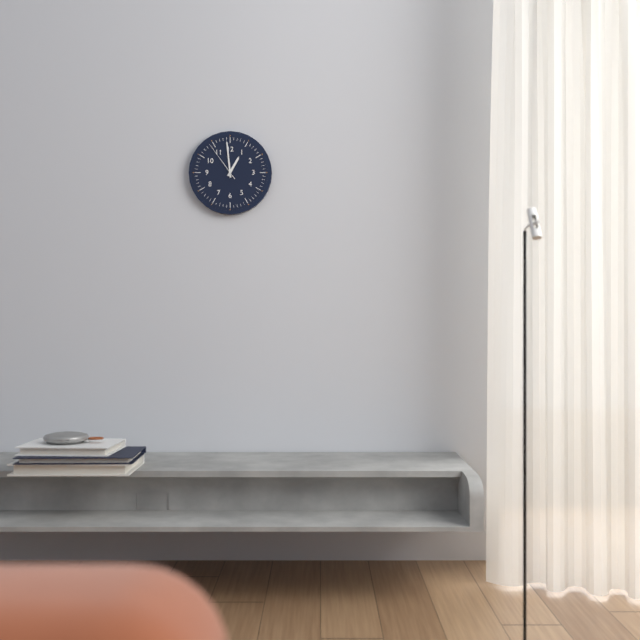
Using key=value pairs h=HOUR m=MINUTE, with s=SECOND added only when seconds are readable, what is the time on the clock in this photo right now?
h=12 m=59
